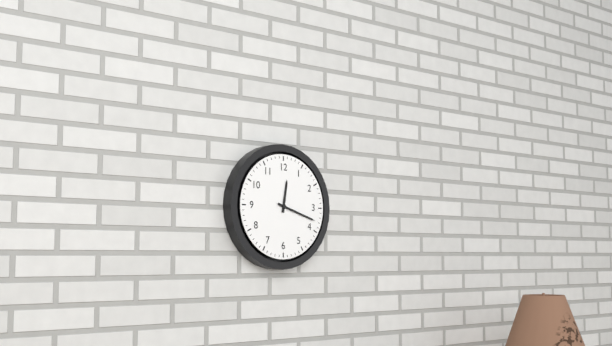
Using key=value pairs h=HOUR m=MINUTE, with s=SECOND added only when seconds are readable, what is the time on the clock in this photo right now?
h=12 m=18
